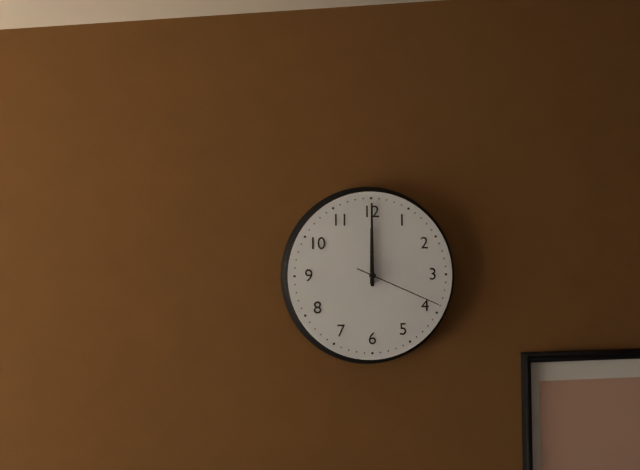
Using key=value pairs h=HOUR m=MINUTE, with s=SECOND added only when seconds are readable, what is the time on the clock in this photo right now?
h=12 m=0 s=19
